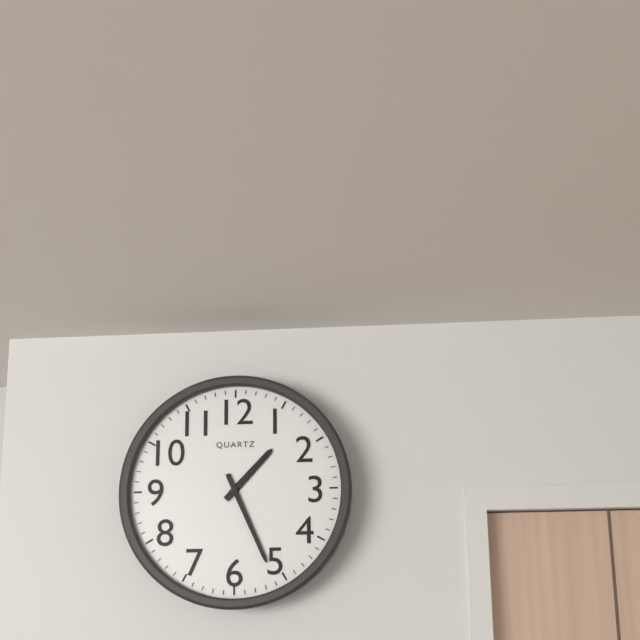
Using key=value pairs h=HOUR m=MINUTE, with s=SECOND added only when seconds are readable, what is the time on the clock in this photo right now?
h=1 m=26
